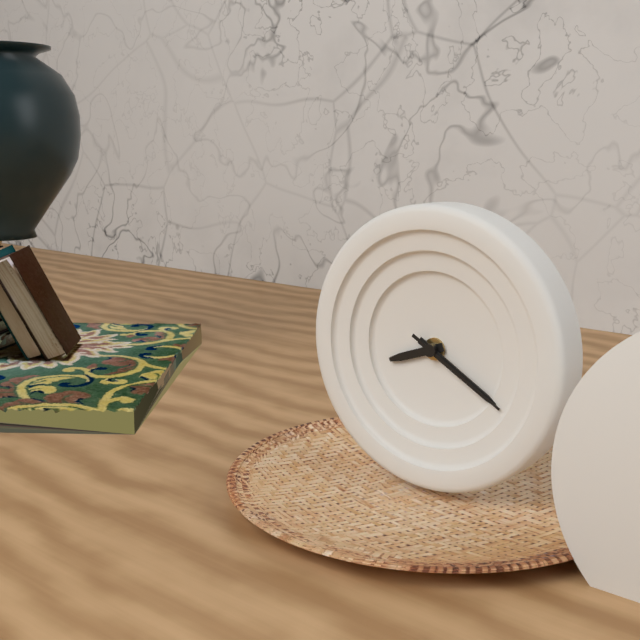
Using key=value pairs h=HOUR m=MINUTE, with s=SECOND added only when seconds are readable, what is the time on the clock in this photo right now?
h=8 m=20 s=20
